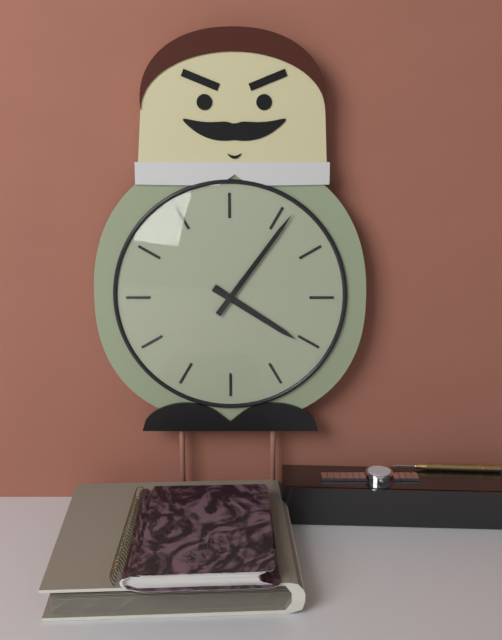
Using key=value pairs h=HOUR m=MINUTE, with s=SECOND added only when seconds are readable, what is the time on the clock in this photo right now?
h=4 m=6
